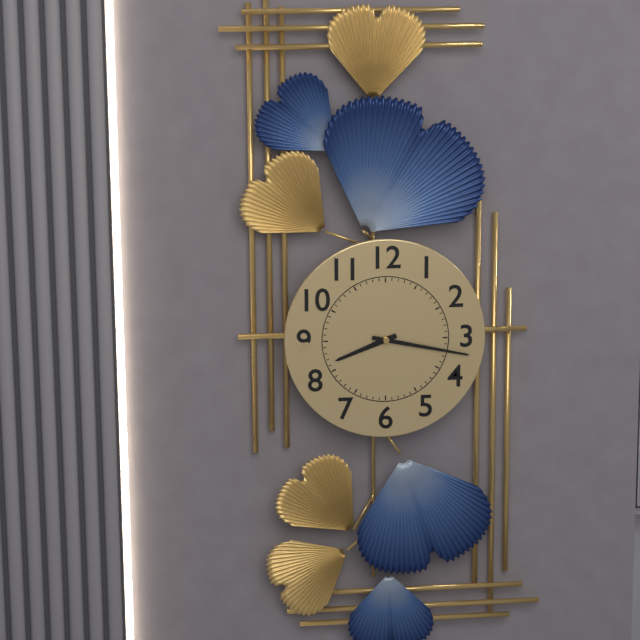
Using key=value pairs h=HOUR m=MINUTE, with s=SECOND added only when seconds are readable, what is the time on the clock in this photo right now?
h=8 m=17
